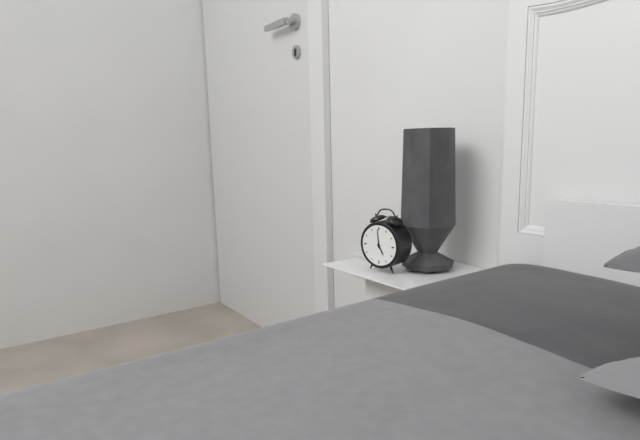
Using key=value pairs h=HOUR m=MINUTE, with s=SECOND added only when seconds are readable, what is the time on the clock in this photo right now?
h=4 m=59
